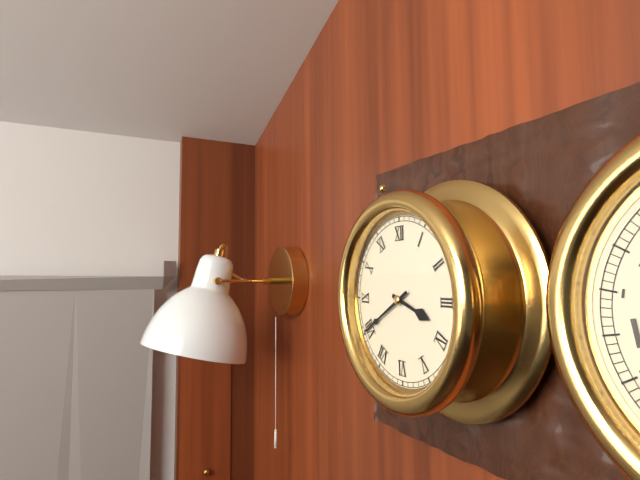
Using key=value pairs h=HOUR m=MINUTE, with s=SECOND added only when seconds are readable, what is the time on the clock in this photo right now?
h=3 m=40
